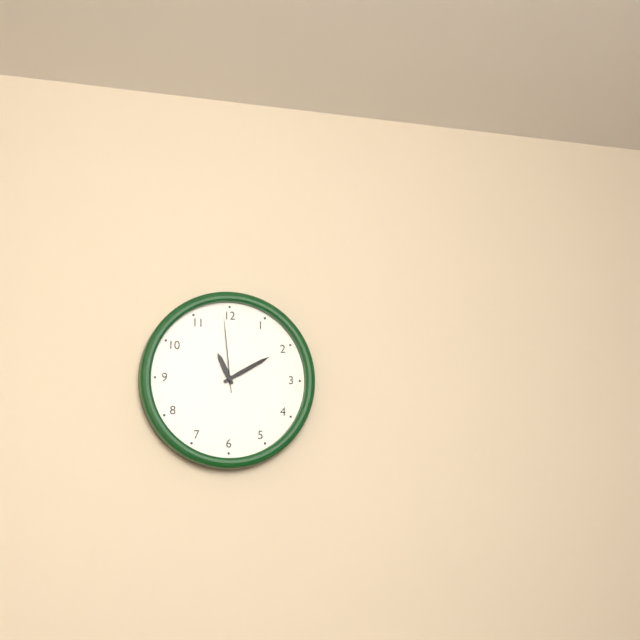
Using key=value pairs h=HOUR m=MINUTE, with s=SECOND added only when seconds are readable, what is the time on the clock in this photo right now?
h=11 m=10 s=59
